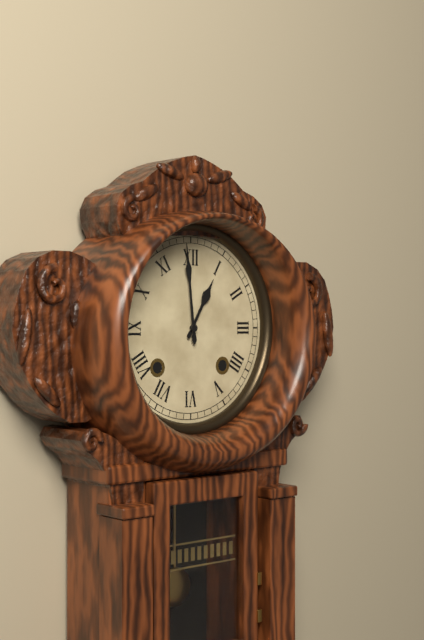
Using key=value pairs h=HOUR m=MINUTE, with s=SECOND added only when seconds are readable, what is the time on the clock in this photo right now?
h=12 m=59
